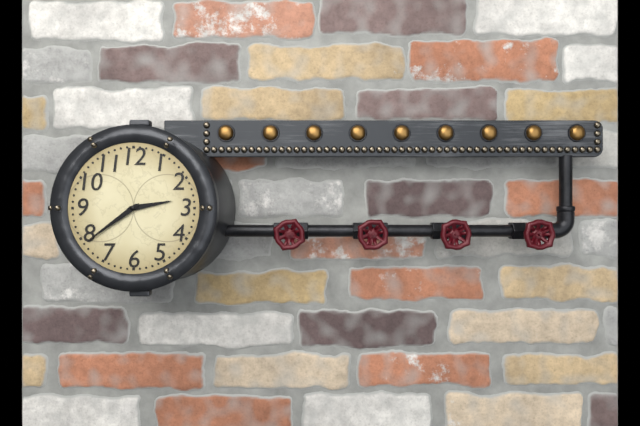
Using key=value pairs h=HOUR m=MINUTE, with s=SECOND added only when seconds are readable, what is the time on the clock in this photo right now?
h=2 m=39
